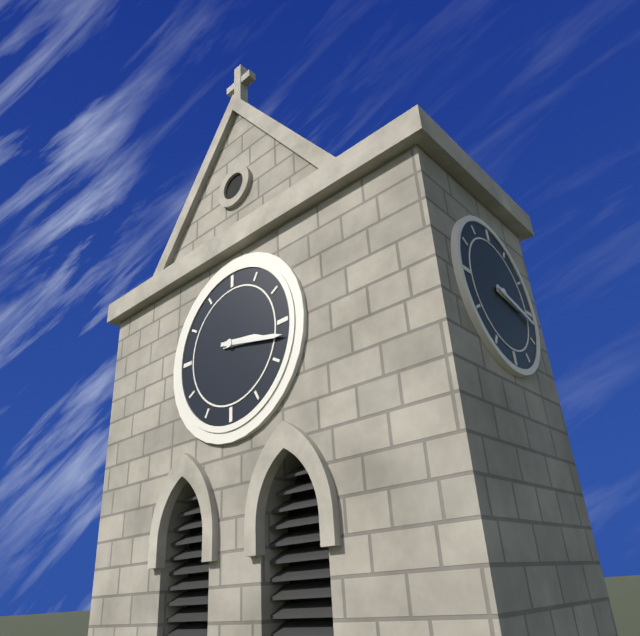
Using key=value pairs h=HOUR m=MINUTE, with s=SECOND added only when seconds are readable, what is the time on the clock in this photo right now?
h=3 m=17
